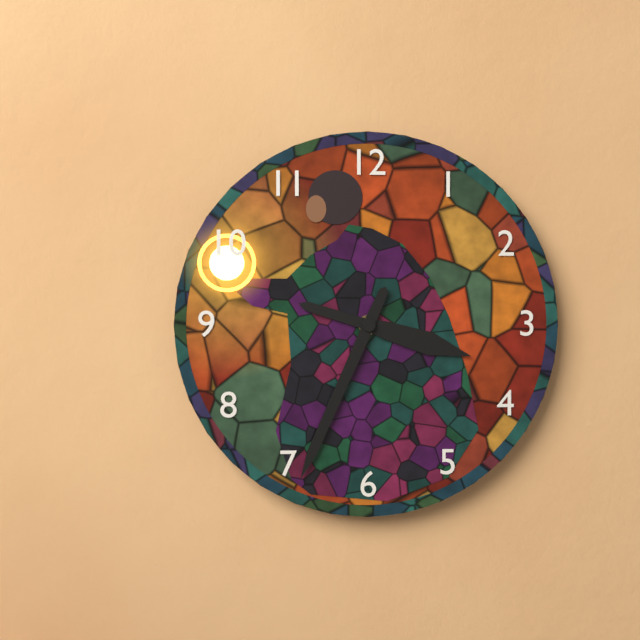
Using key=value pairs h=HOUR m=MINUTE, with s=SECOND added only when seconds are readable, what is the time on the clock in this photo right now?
h=3 m=34
